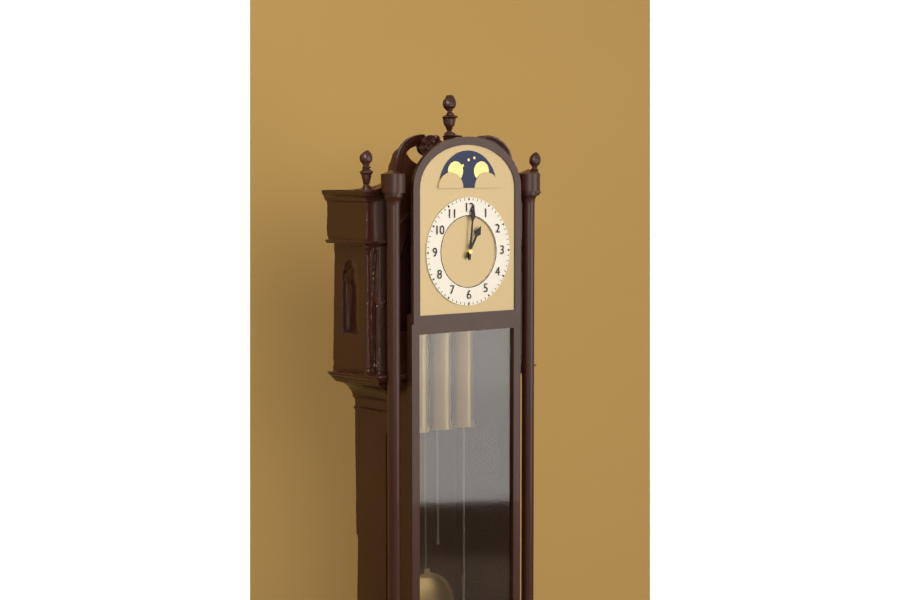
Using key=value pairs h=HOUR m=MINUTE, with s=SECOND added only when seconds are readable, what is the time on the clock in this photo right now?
h=1 m=1
